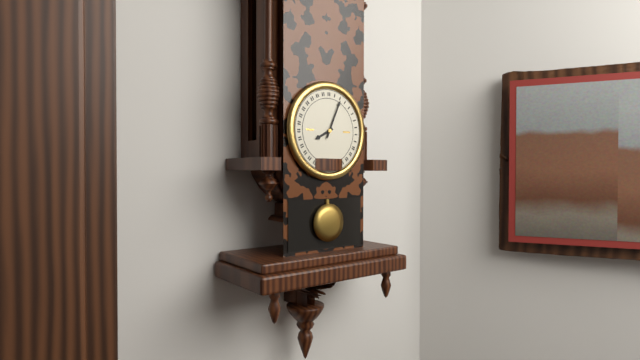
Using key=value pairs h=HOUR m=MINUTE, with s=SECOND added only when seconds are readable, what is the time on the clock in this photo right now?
h=8 m=4
